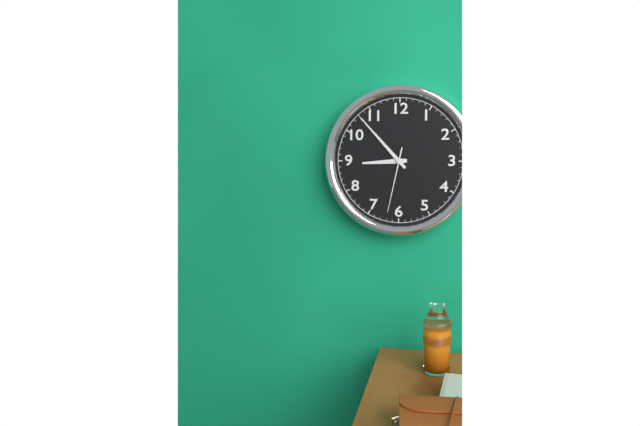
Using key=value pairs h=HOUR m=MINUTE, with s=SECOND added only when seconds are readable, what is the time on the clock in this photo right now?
h=8 m=53 s=32
